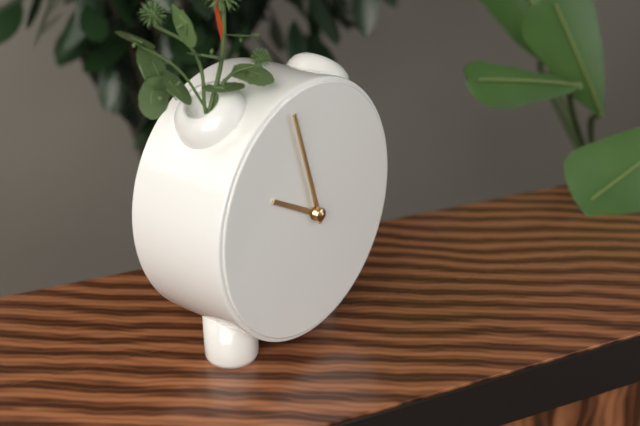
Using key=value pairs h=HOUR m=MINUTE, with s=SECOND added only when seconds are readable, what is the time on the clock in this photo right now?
h=9 m=57
